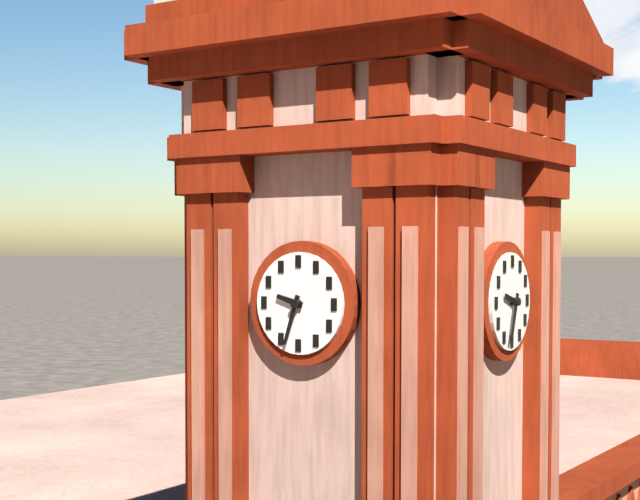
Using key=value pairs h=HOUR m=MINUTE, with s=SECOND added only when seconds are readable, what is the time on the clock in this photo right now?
h=9 m=33
